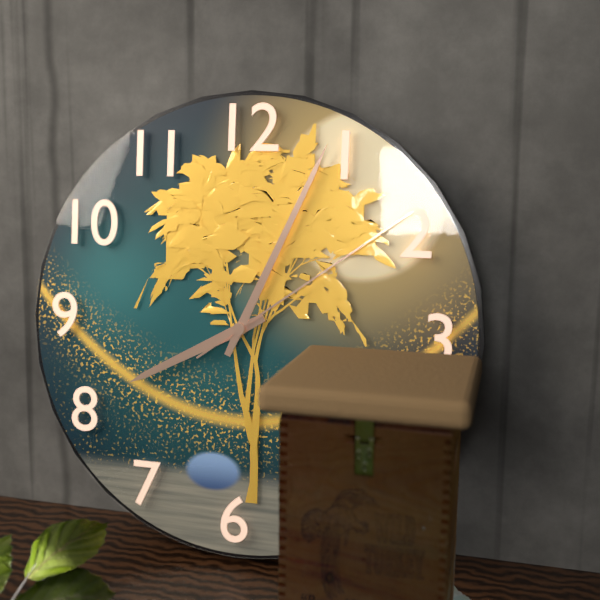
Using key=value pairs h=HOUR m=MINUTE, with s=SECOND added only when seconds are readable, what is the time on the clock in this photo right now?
h=8 m=4 s=9
